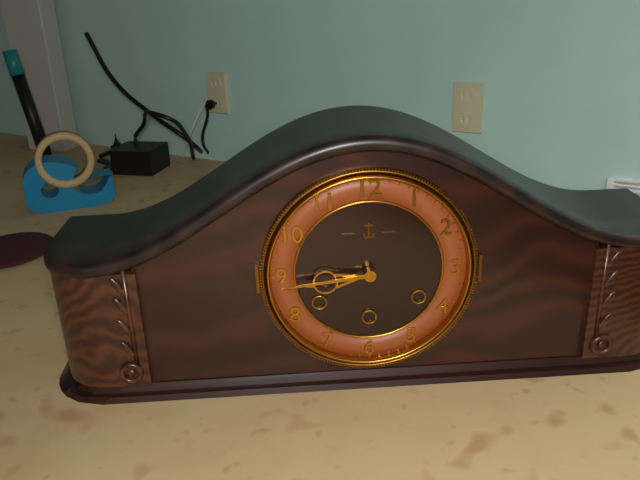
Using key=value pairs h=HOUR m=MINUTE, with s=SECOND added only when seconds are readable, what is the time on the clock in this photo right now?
h=8 m=44
